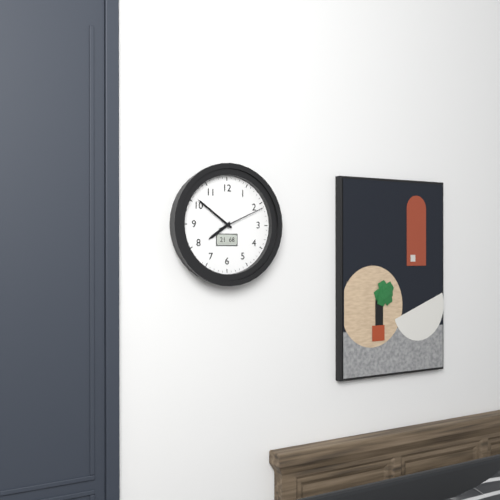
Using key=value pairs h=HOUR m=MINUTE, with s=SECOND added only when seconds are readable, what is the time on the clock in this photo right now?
h=7 m=51
